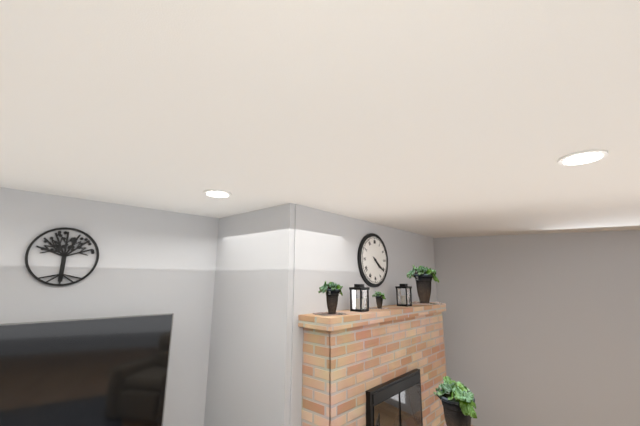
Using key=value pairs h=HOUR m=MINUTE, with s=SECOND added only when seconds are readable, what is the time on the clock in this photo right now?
h=4 m=21
